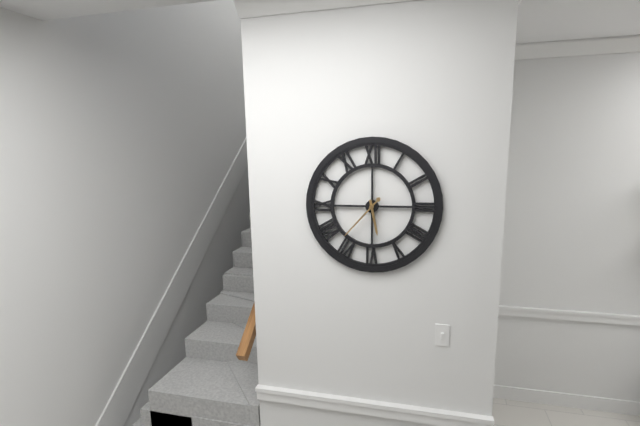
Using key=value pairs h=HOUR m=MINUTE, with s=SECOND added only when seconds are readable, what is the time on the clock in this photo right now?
h=5 m=37
